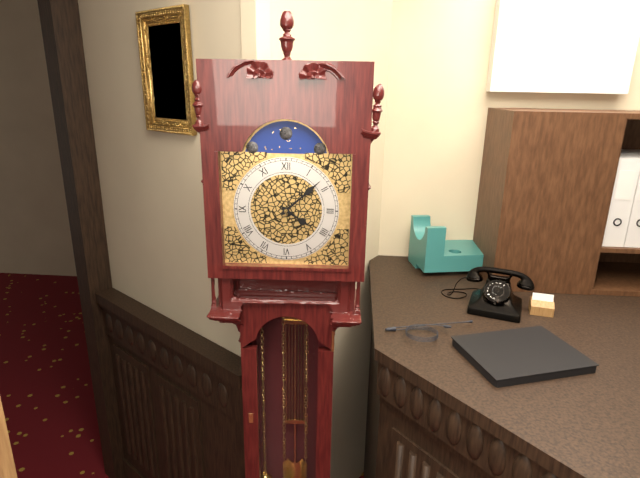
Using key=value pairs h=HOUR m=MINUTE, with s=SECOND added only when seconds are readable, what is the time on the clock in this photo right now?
h=4 m=8
